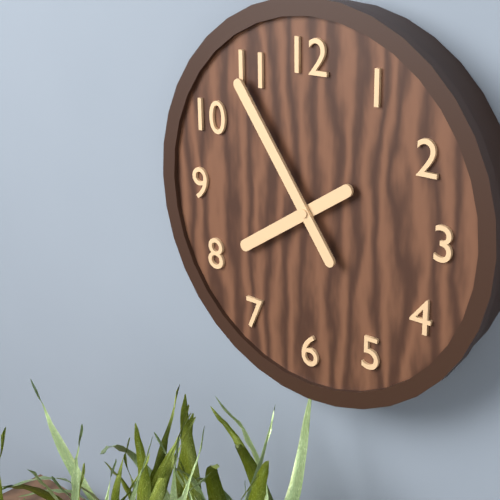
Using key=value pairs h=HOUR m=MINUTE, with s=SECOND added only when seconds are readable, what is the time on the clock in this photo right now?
h=7 m=54
